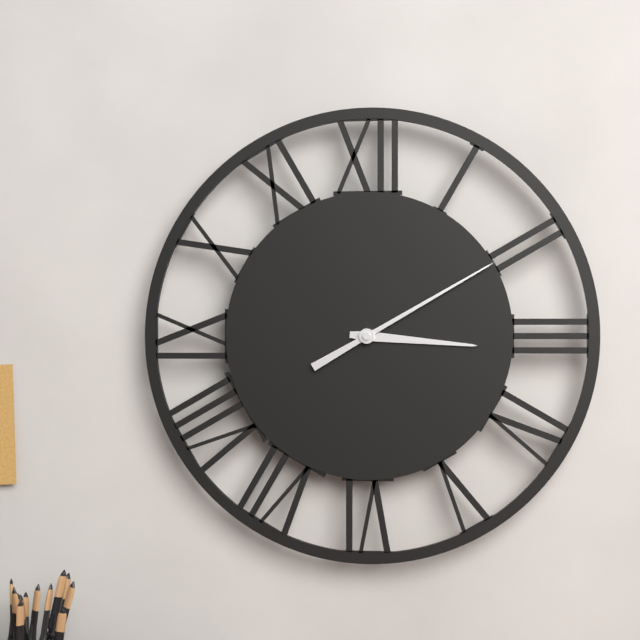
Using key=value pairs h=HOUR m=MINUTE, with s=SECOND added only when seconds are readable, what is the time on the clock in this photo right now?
h=3 m=10
